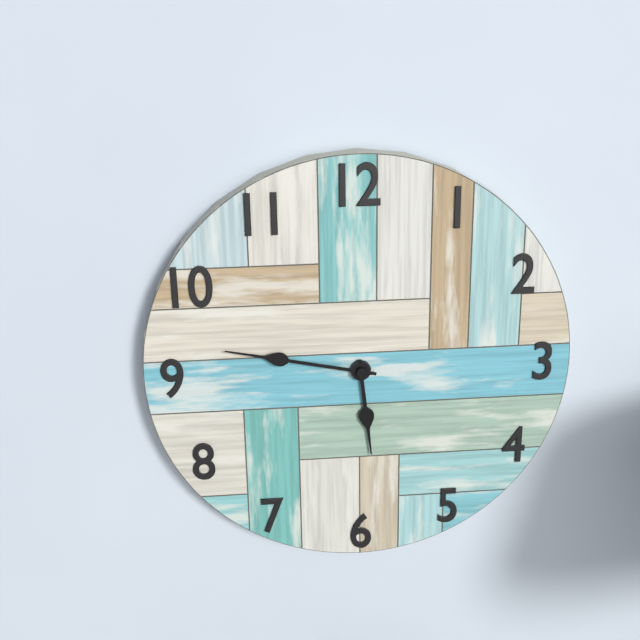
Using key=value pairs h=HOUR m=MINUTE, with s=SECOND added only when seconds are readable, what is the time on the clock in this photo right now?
h=5 m=47
